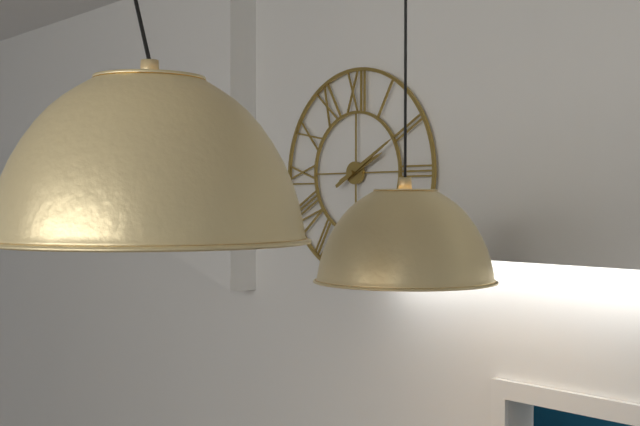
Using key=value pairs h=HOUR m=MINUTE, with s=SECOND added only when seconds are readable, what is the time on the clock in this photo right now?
h=2 m=10
